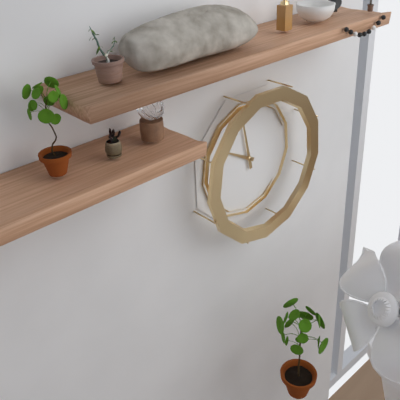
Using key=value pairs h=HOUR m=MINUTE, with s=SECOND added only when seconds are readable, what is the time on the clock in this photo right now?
h=9 m=58
